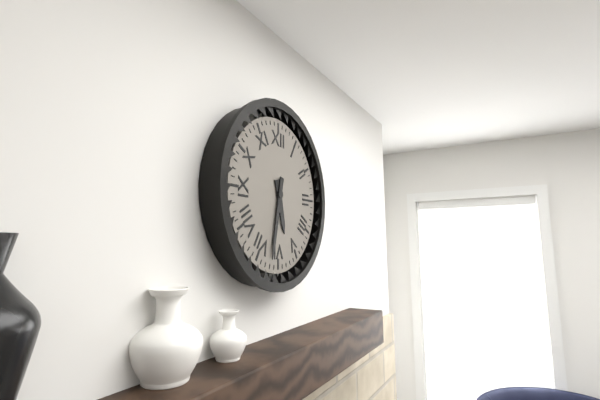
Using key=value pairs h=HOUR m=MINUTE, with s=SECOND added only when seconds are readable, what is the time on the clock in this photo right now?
h=5 m=32
